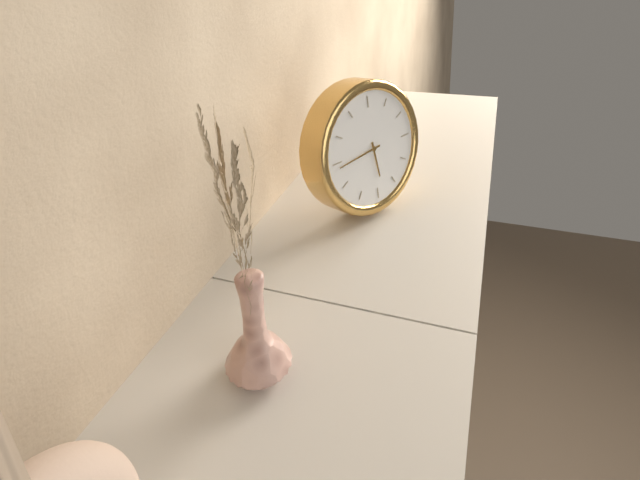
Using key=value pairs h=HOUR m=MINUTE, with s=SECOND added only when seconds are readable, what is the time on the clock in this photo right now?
h=5 m=44
